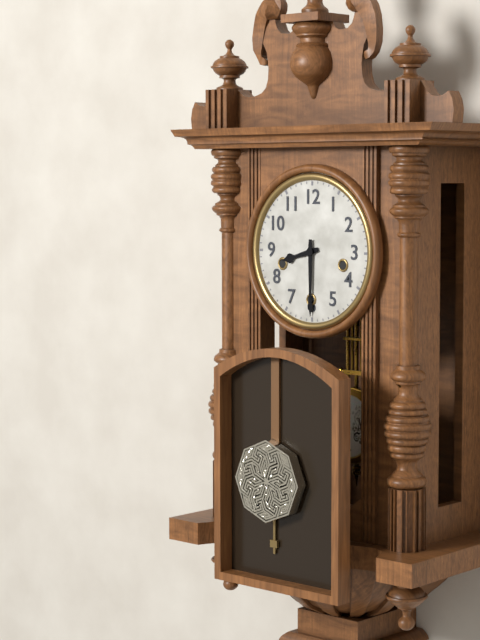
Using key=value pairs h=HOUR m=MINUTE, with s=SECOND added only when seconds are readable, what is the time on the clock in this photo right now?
h=8 m=30
